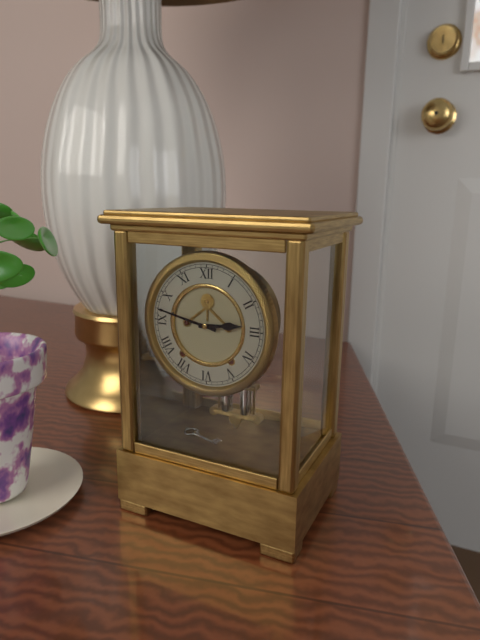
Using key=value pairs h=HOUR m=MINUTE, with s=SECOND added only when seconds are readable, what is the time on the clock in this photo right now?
h=2 m=47
